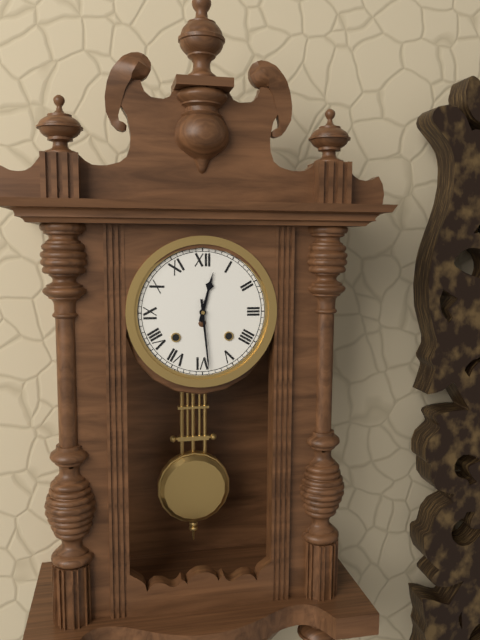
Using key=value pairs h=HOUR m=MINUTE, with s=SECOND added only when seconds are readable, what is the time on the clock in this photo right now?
h=12 m=29
